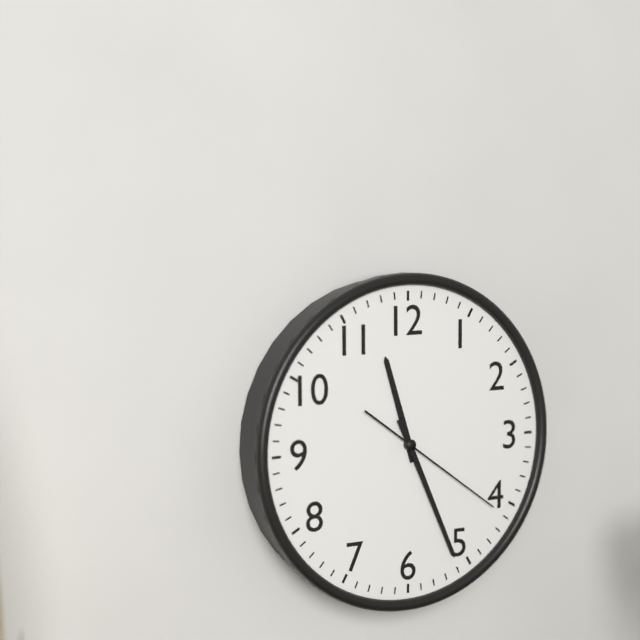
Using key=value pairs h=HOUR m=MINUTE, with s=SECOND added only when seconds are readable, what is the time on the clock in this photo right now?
h=11 m=26 s=21
